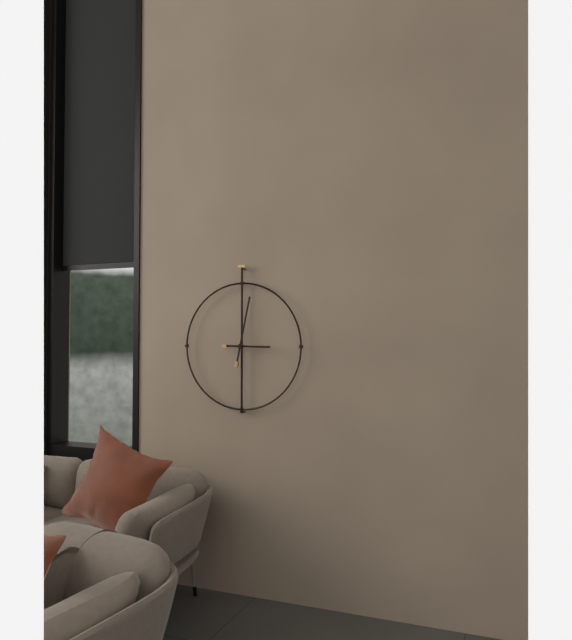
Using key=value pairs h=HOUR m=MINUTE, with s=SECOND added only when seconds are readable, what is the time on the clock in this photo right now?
h=3 m=2
